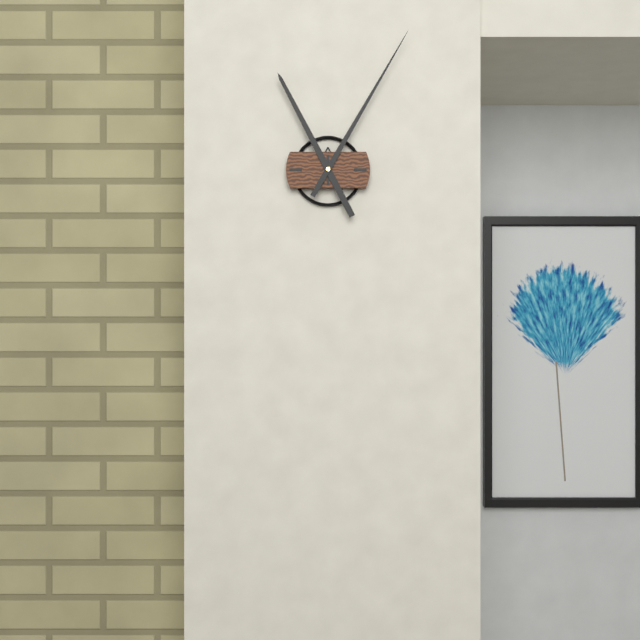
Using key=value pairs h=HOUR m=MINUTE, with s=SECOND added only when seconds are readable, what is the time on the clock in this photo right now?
h=11 m=5
